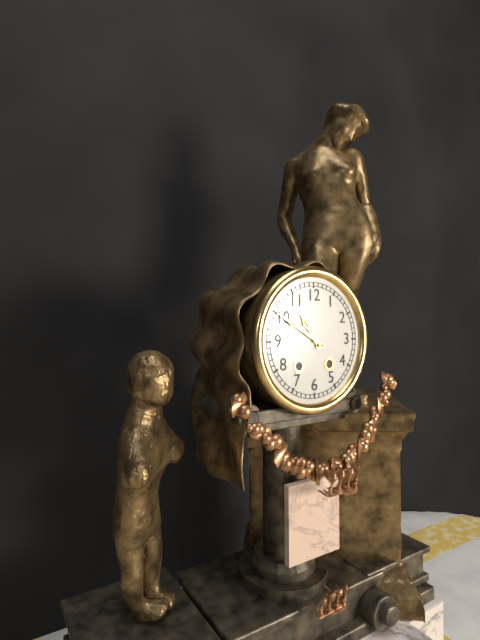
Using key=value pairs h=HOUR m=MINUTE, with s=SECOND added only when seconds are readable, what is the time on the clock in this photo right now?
h=10 m=50
